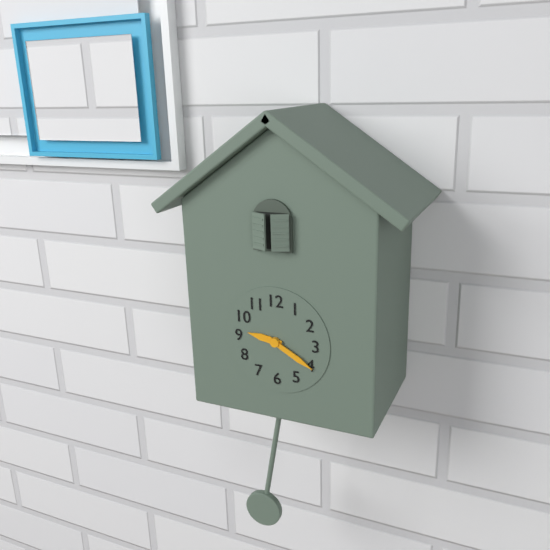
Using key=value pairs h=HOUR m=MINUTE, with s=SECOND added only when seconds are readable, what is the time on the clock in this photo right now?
h=9 m=20
